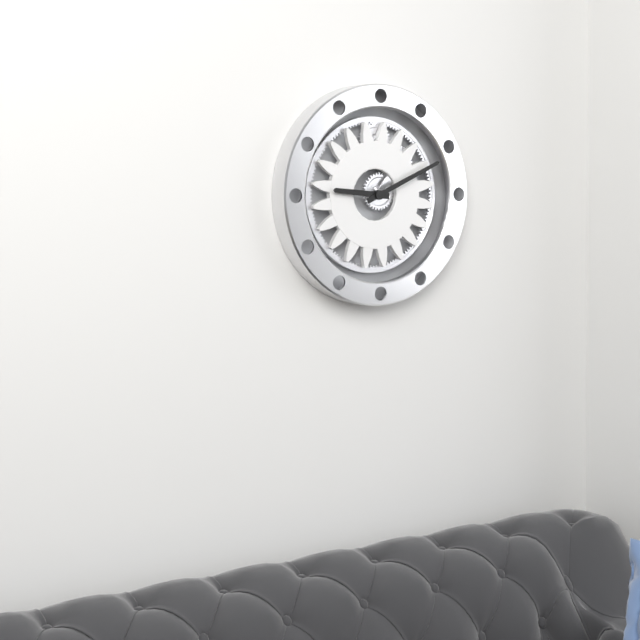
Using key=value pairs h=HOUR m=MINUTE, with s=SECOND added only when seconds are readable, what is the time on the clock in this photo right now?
h=9 m=11
